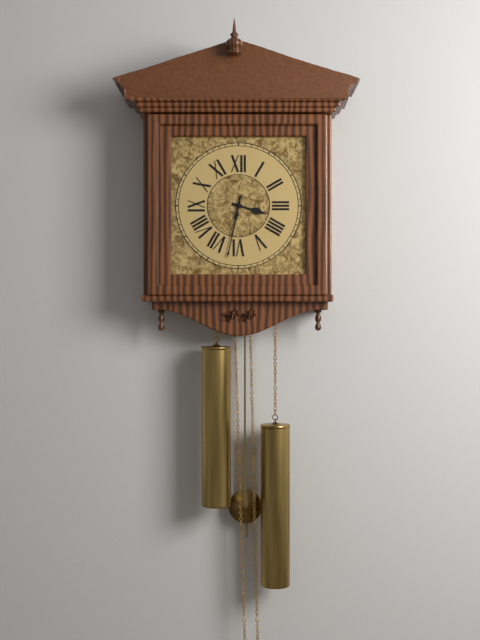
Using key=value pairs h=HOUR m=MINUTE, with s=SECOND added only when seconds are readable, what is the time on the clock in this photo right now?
h=3 m=32
